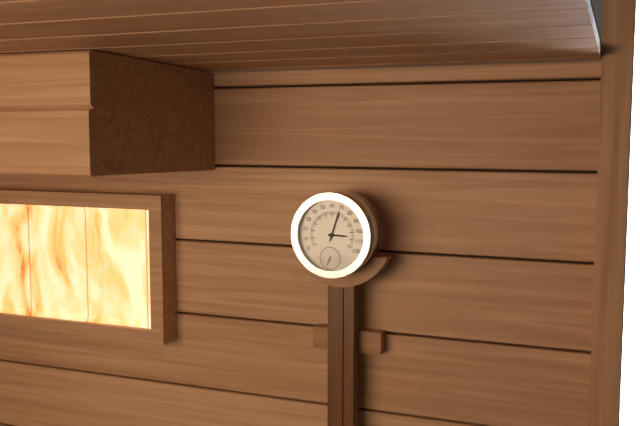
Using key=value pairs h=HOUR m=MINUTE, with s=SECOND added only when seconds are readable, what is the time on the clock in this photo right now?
h=3 m=3
